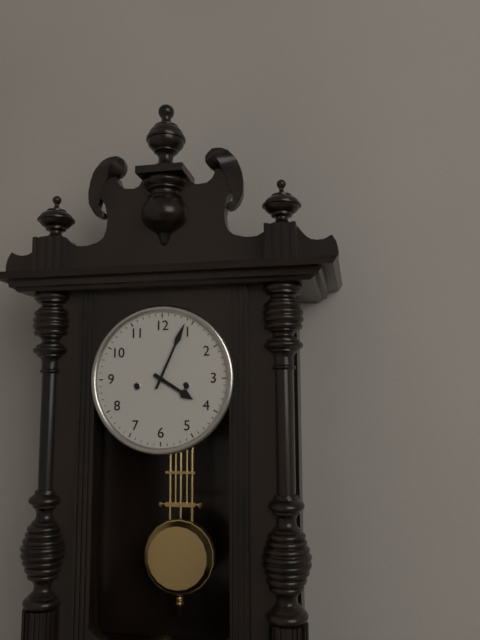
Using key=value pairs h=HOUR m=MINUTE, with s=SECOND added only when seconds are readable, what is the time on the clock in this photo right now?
h=4 m=4
